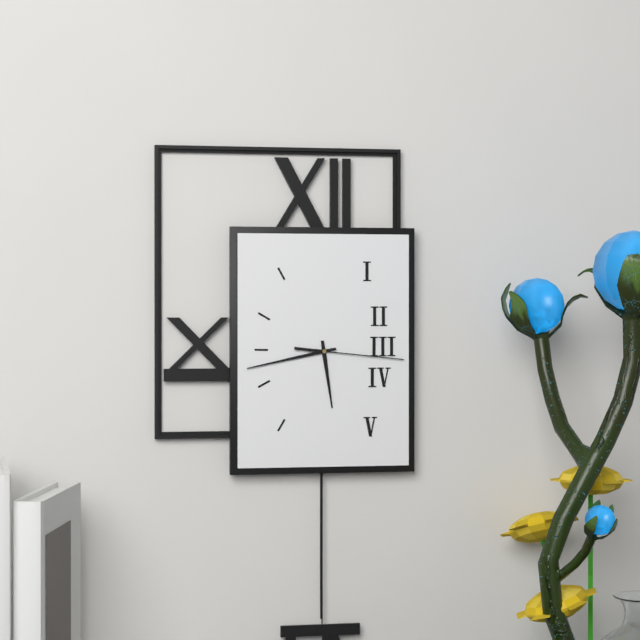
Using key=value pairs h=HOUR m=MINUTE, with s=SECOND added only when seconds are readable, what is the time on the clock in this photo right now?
h=5 m=43 s=16
